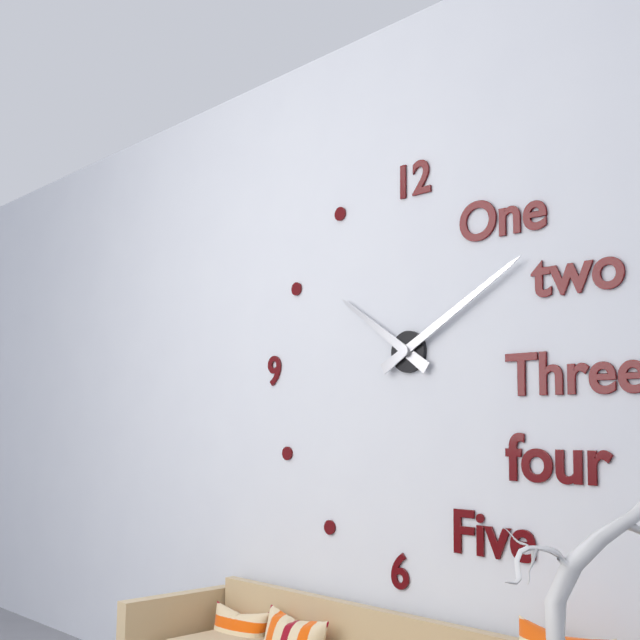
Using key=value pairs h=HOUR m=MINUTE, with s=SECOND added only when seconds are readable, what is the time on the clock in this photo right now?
h=10 m=10
